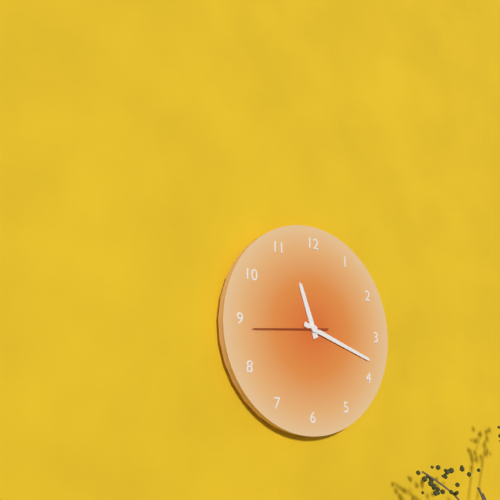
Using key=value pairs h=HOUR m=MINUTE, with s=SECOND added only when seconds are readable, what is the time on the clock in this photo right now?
h=11 m=18 s=44
